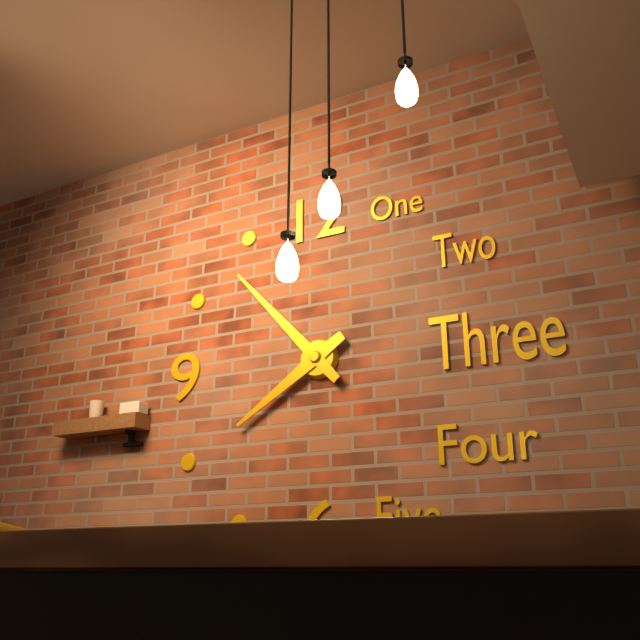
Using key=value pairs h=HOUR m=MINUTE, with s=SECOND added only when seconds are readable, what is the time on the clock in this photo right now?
h=7 m=53
